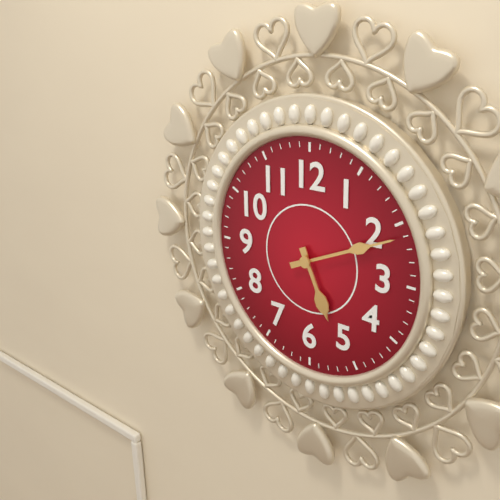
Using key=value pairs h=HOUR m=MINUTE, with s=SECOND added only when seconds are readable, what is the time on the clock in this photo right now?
h=5 m=11
